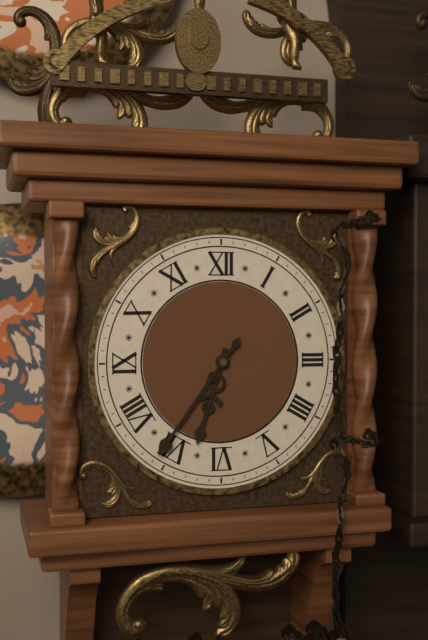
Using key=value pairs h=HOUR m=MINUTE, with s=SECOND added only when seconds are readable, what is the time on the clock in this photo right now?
h=6 m=36
